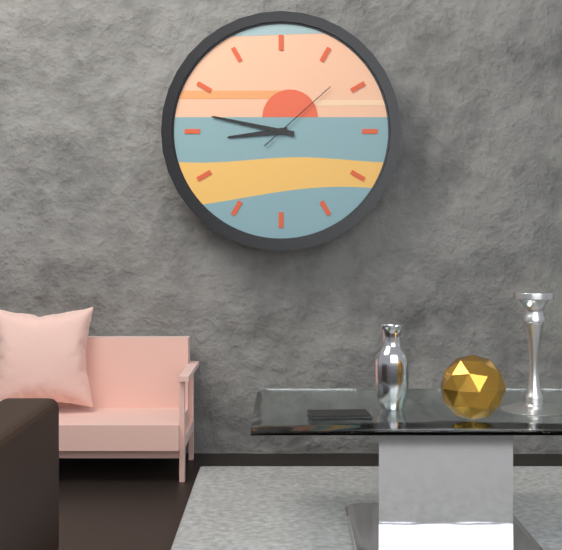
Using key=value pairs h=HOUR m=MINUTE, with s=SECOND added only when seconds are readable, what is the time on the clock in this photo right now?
h=8 m=47 s=8
